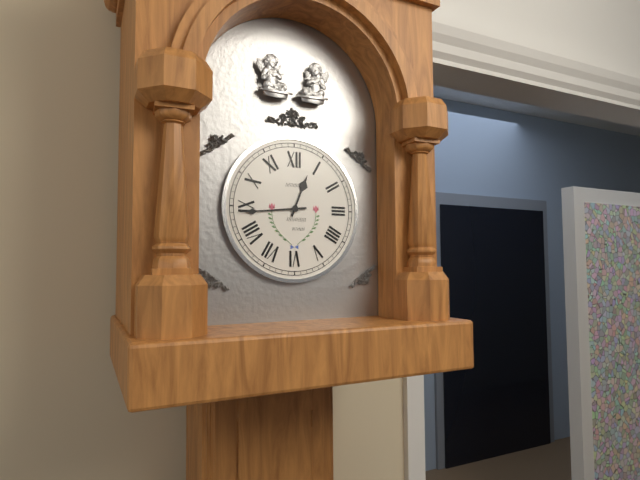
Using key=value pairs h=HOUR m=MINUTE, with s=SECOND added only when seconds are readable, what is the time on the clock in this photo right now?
h=12 m=44
